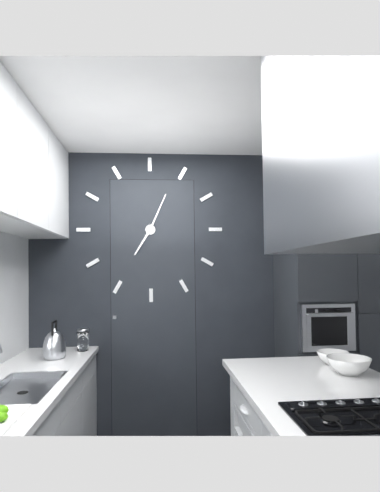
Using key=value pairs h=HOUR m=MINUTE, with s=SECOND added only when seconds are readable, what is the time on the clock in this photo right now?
h=7 m=4
